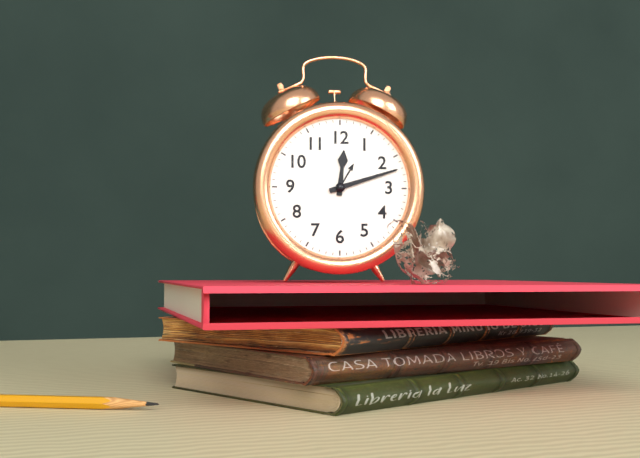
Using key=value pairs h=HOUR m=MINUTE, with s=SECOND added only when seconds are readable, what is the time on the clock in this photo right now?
h=12 m=12
